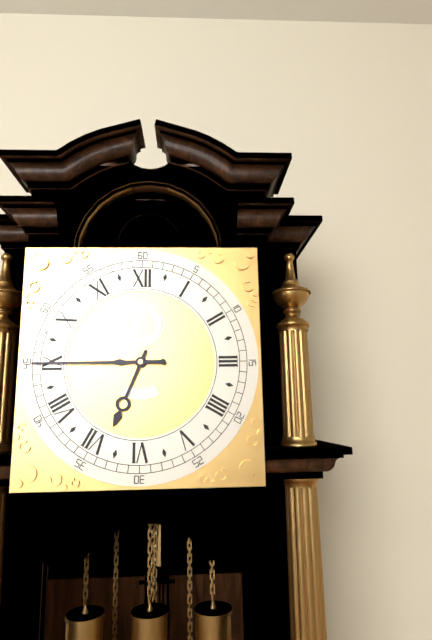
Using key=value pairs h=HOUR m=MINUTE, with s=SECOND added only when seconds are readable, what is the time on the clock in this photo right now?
h=6 m=45
